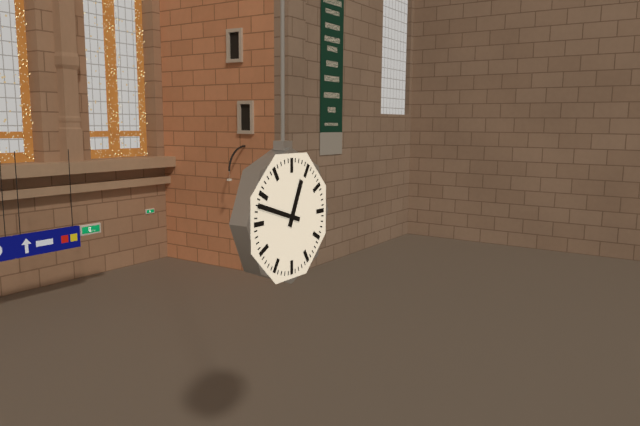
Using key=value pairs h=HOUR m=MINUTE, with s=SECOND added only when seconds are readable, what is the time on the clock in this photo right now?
h=12 m=48
